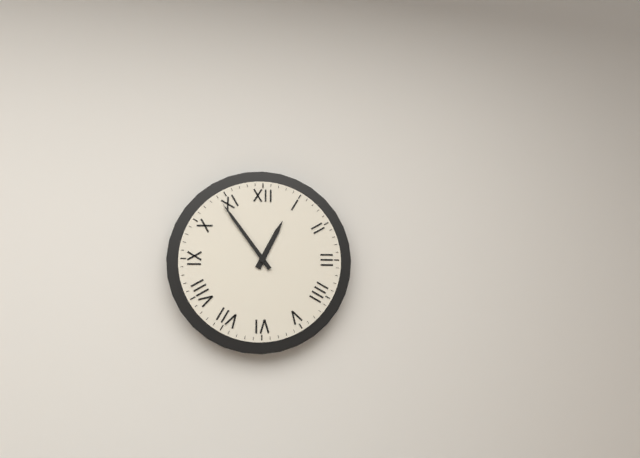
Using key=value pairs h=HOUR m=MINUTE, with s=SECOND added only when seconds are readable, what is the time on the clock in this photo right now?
h=12 m=54
